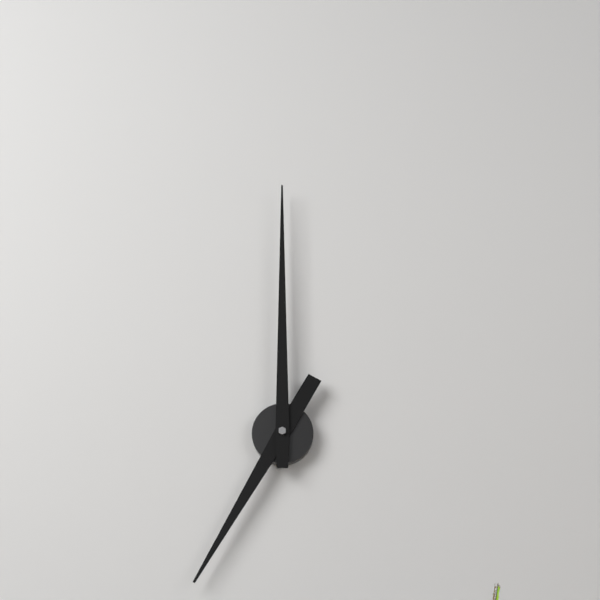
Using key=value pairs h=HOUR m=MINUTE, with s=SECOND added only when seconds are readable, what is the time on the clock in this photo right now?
h=7 m=0
